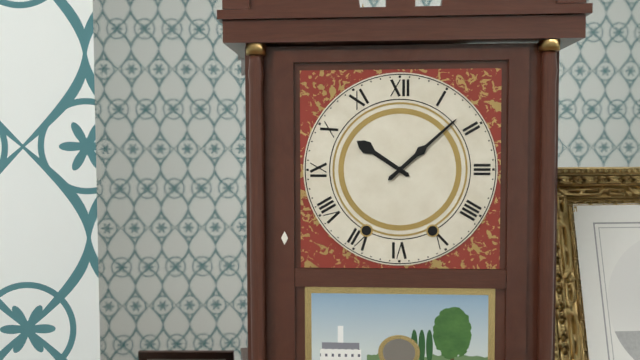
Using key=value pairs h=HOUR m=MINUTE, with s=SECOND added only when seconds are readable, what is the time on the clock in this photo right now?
h=10 m=8
